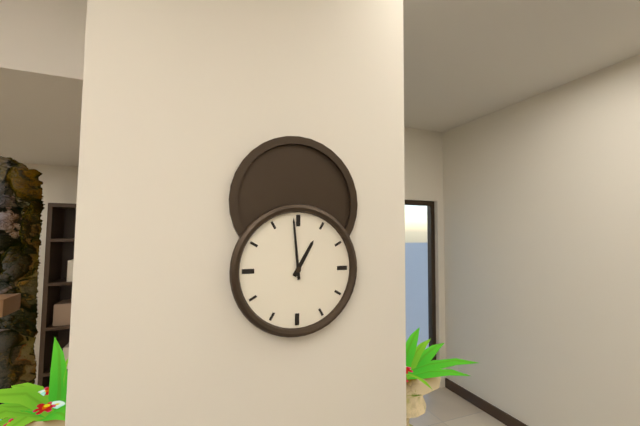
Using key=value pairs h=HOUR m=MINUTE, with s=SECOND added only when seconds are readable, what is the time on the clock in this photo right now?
h=12 m=59
